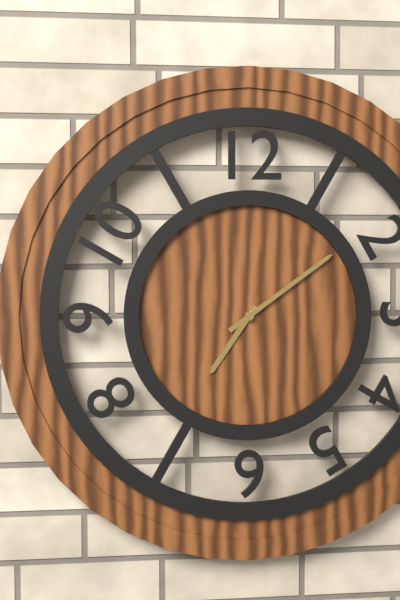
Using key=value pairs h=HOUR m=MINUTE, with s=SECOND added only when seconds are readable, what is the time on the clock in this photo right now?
h=7 m=9
